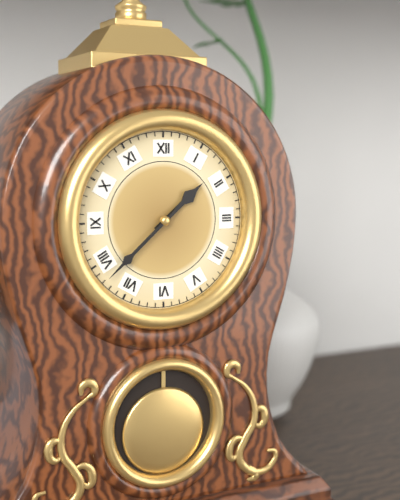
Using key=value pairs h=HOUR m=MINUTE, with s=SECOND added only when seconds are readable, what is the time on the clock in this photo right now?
h=1 m=38
